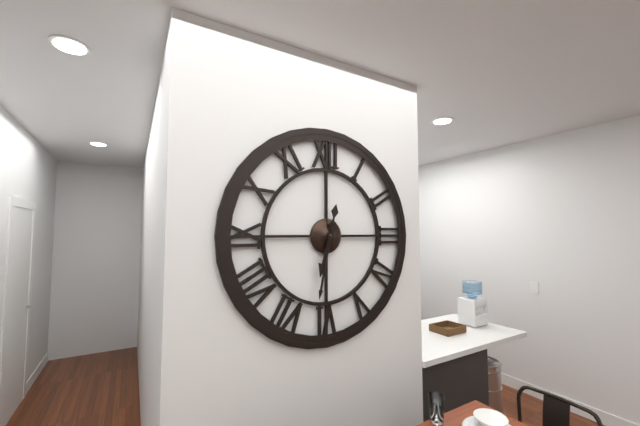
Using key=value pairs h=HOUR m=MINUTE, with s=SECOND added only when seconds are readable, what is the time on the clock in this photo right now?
h=6 m=32
